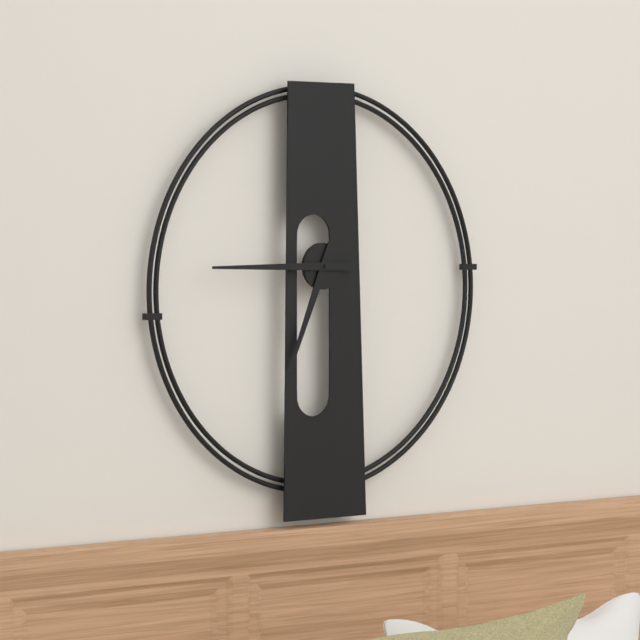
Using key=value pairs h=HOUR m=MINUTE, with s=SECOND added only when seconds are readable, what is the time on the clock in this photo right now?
h=6 m=45
